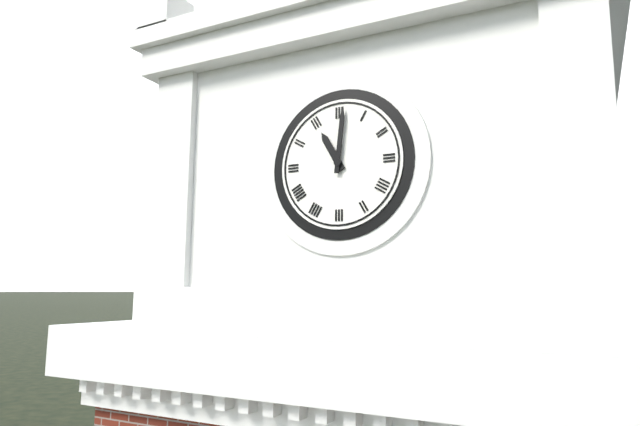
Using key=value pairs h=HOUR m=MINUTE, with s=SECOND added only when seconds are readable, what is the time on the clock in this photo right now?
h=11 m=1
